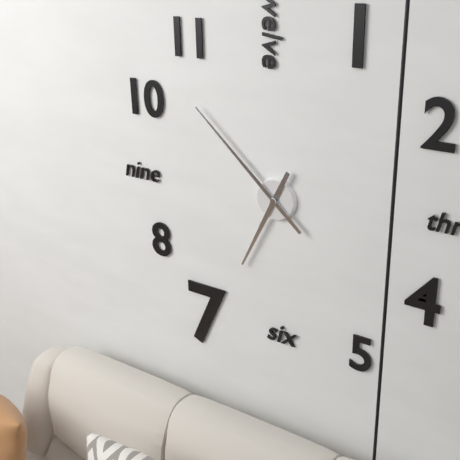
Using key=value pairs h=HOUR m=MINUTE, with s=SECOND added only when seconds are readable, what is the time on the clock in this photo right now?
h=6 m=52
